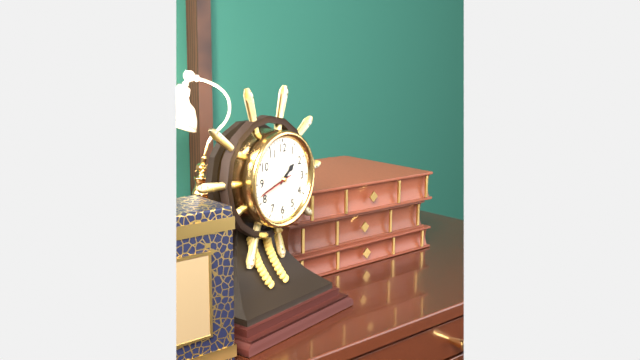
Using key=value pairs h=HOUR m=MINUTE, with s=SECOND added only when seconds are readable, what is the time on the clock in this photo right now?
h=1 m=42
